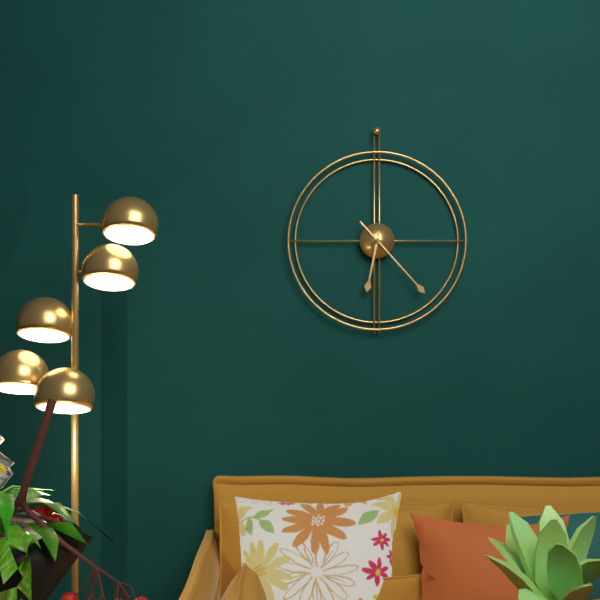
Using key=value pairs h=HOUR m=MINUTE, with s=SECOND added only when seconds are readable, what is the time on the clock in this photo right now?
h=6 m=23
